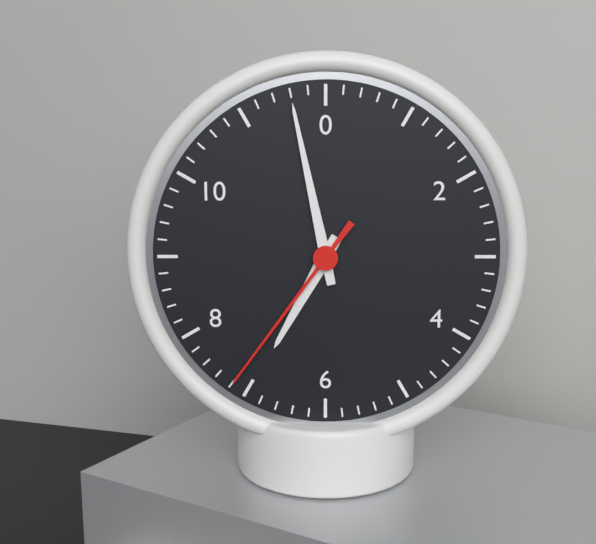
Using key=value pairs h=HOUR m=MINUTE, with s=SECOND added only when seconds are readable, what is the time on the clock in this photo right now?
h=6 m=58 s=36
